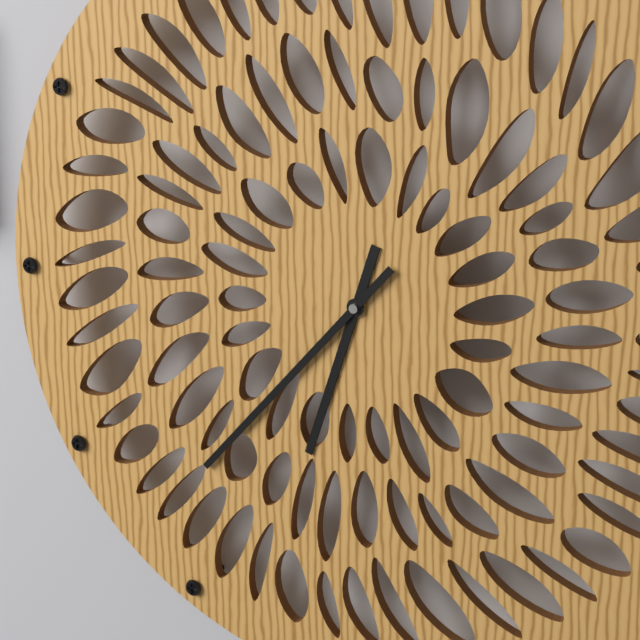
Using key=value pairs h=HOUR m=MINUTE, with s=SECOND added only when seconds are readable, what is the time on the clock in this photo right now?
h=6 m=37
